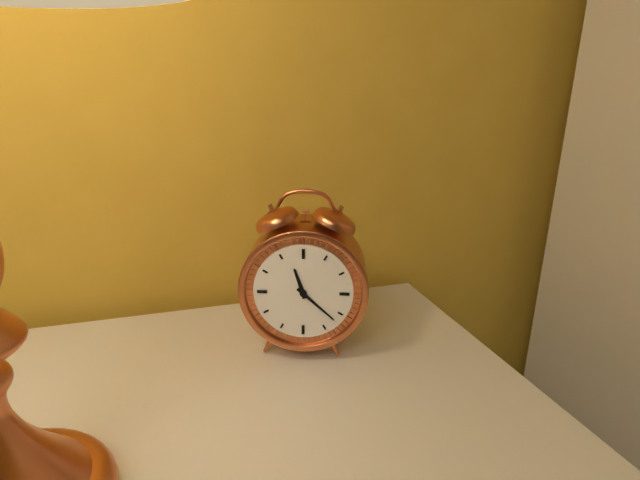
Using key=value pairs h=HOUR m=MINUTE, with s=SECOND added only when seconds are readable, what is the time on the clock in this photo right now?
h=11 m=22
